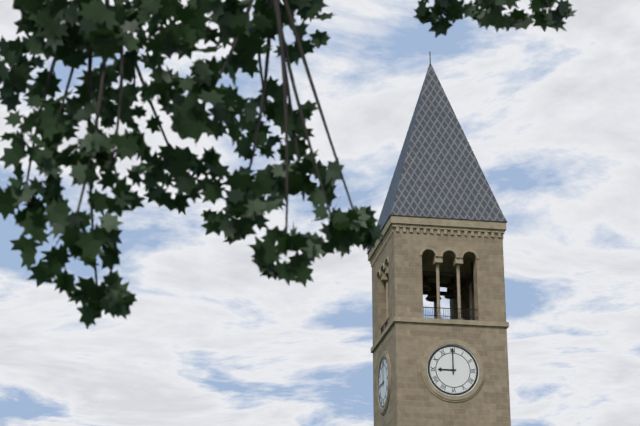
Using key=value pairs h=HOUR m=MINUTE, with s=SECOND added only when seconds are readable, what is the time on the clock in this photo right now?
h=9 m=0
